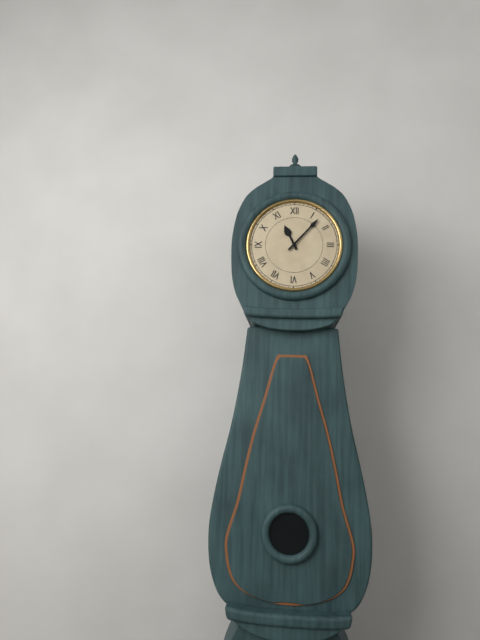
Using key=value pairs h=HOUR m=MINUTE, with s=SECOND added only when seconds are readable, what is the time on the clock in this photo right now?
h=11 m=7
